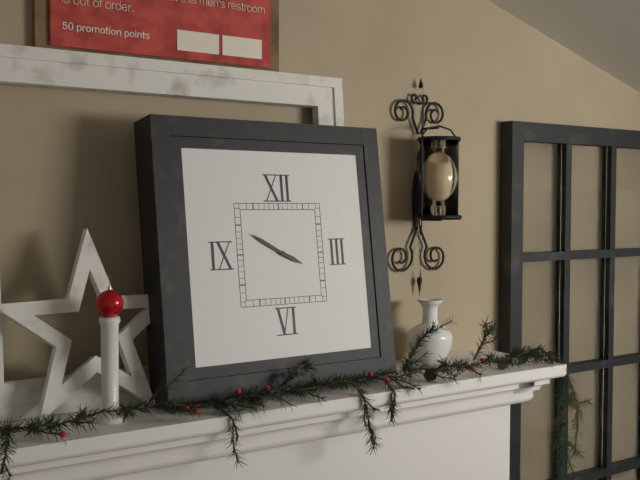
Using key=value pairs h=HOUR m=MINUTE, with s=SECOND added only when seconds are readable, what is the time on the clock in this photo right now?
h=3 m=50
